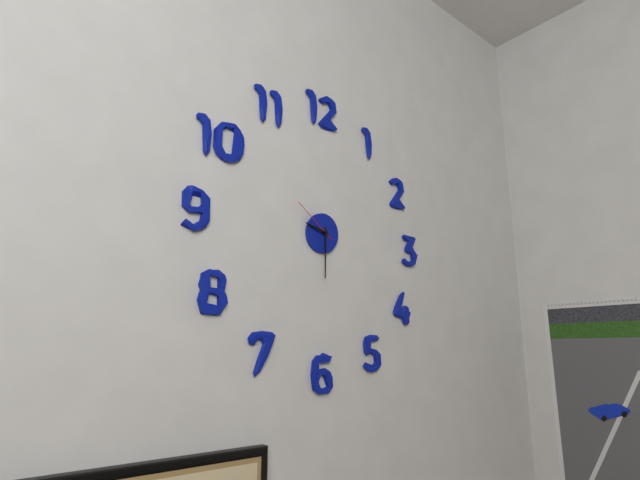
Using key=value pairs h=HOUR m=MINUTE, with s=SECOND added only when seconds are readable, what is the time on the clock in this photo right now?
h=9 m=30 s=51
